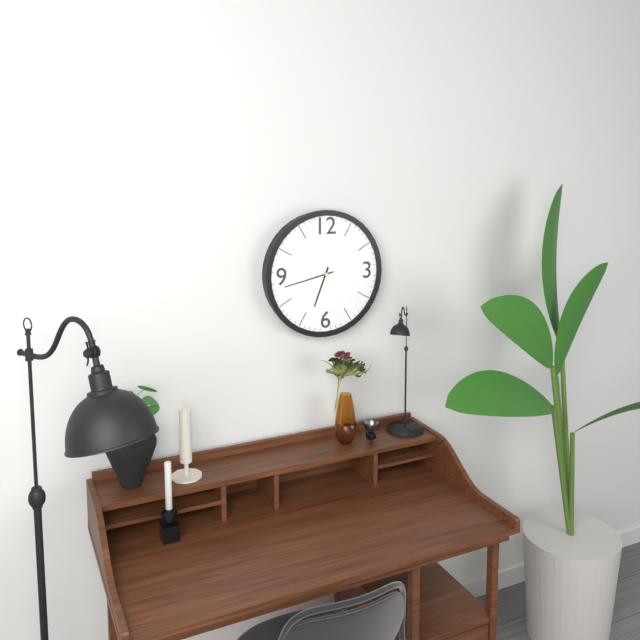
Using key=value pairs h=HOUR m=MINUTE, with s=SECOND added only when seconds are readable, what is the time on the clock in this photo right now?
h=6 m=43
